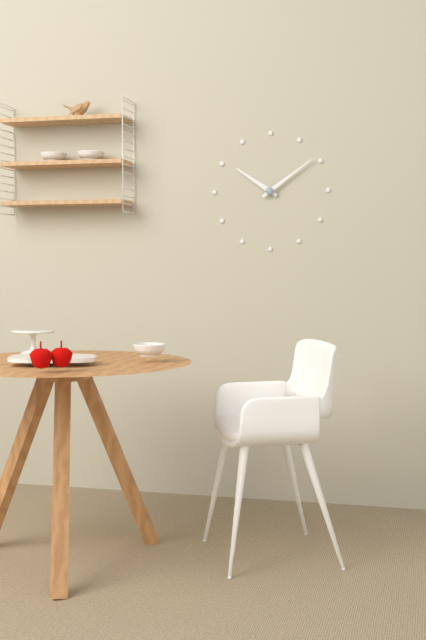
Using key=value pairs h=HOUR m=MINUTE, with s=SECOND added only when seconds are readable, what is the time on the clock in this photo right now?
h=10 m=9
